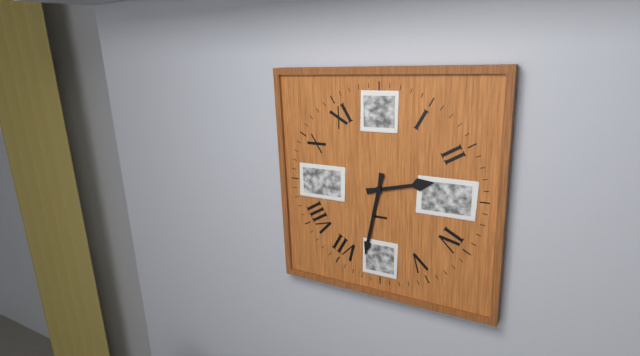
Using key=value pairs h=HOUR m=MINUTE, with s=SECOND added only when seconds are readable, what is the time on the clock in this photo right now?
h=2 m=32
